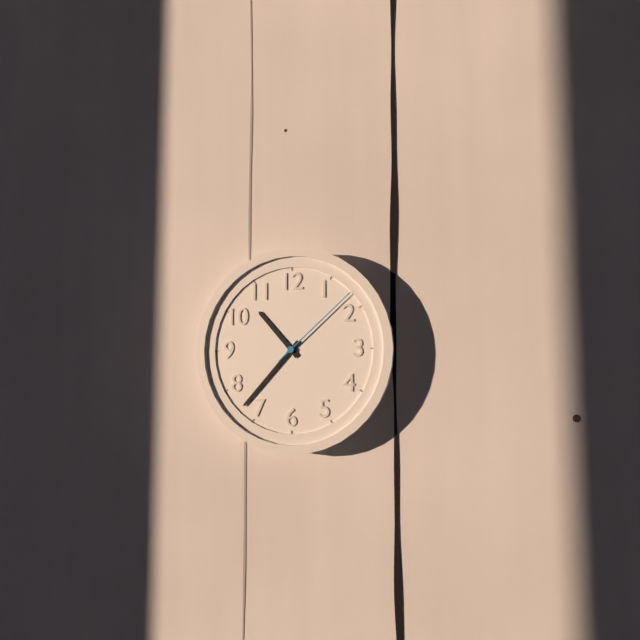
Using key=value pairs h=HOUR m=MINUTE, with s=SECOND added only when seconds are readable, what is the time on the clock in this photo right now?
h=10 m=37 s=8
